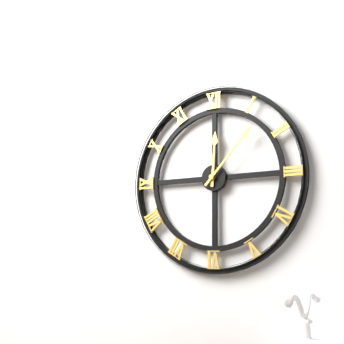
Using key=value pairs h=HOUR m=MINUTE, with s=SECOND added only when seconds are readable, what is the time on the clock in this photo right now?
h=12 m=7
